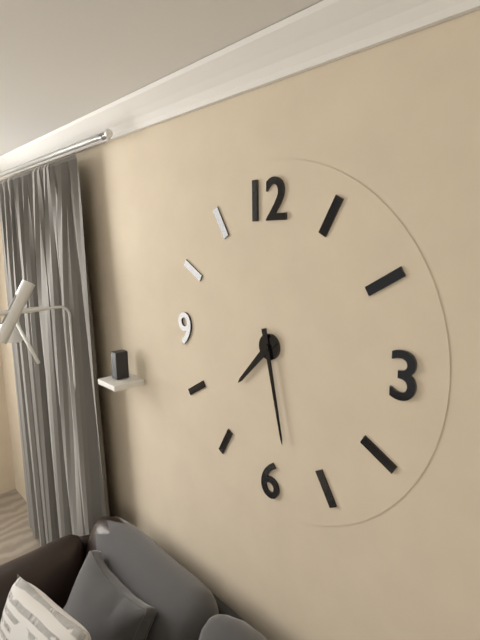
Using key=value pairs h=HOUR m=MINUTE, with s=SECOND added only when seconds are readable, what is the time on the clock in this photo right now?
h=7 m=28
